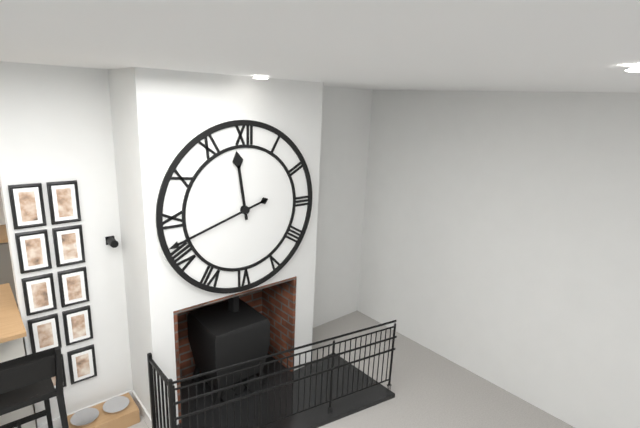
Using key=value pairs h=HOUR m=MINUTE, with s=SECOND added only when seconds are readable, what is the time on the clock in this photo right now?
h=11 m=42
